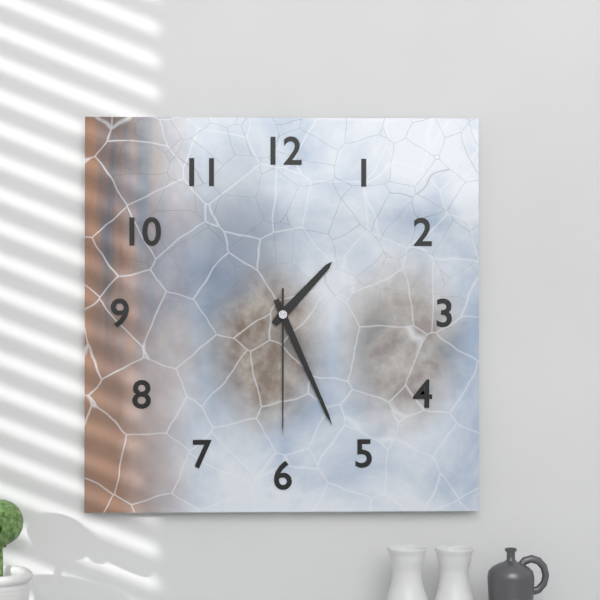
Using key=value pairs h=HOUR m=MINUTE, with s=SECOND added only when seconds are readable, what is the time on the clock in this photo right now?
h=1 m=26 s=30
